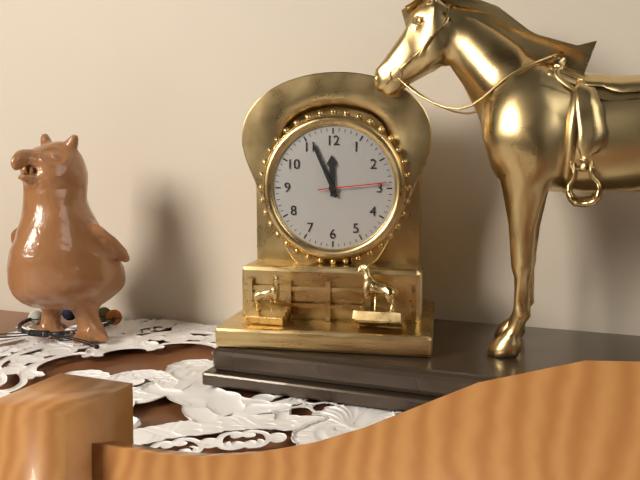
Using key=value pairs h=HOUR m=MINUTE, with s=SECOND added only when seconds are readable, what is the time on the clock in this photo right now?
h=11 m=56 s=14
